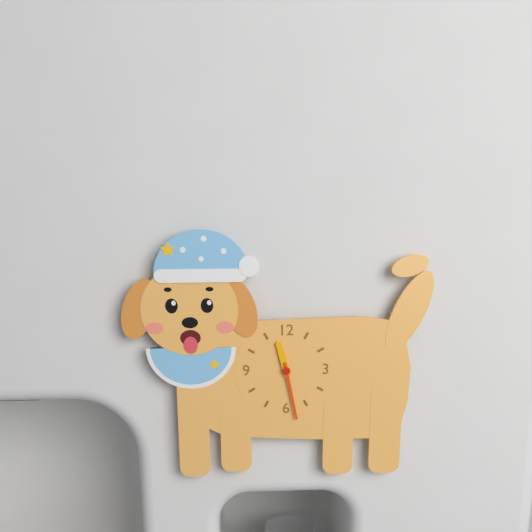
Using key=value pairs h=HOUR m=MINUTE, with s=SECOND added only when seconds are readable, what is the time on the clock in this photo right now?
h=11 m=28
